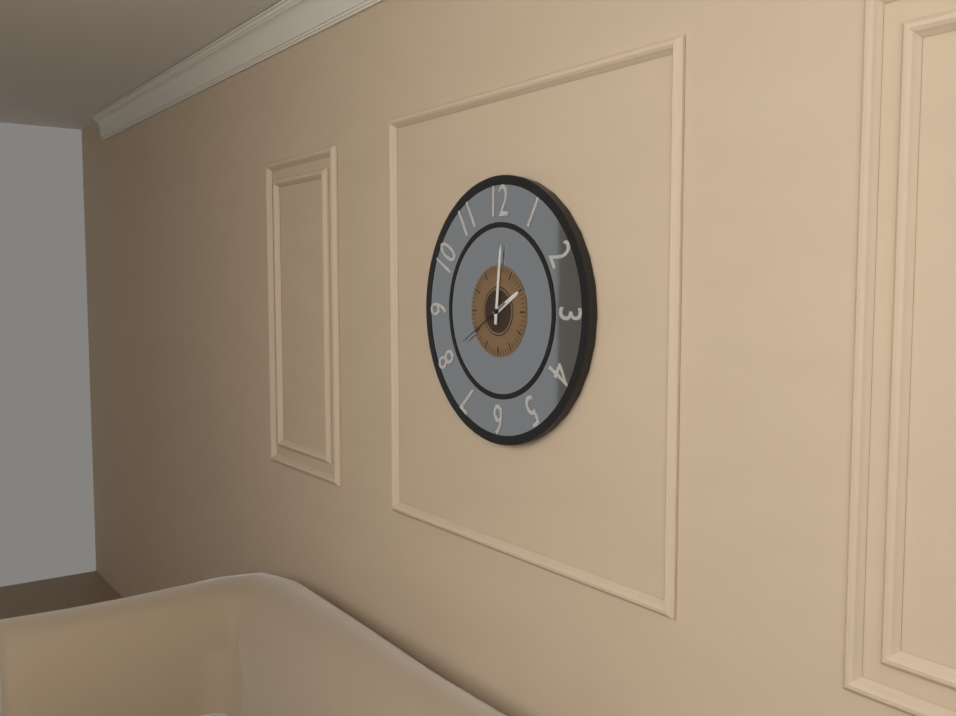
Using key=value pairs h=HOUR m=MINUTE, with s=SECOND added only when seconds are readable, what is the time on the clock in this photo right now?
h=2 m=1 s=40
